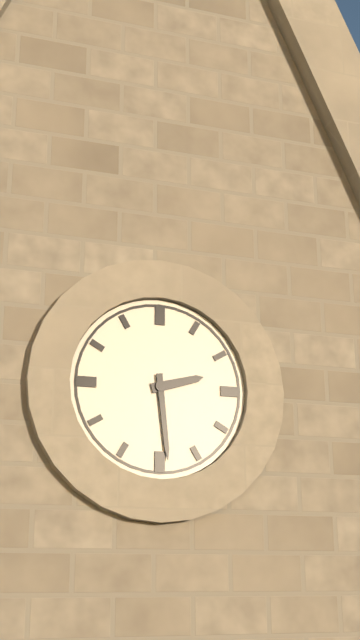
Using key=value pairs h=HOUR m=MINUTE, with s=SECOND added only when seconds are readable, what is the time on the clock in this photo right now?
h=2 m=29
